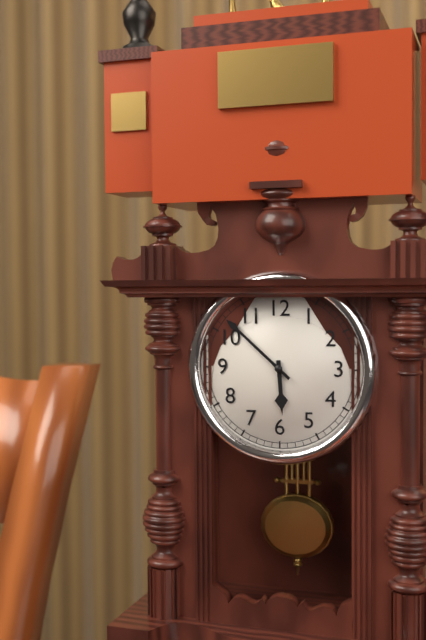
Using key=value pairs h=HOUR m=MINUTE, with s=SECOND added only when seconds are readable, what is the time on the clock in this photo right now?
h=5 m=52
